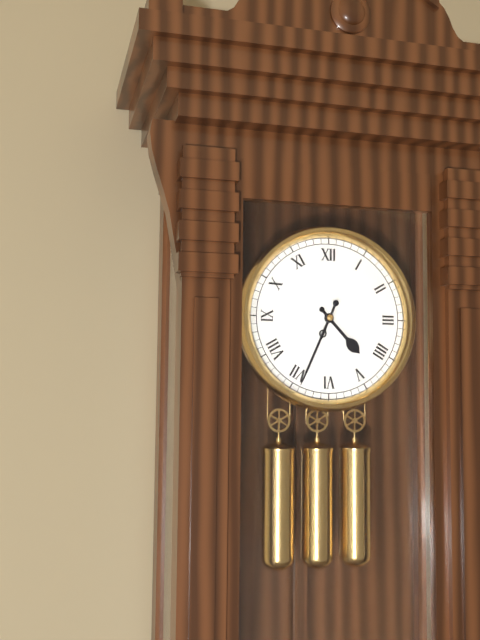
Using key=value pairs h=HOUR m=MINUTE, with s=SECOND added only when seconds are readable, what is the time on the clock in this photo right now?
h=4 m=34
